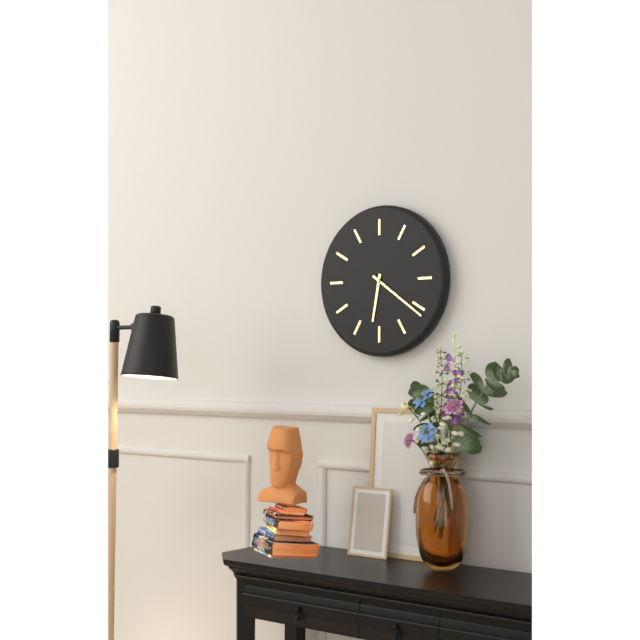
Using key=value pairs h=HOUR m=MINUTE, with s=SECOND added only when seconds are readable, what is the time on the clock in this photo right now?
h=6 m=21
